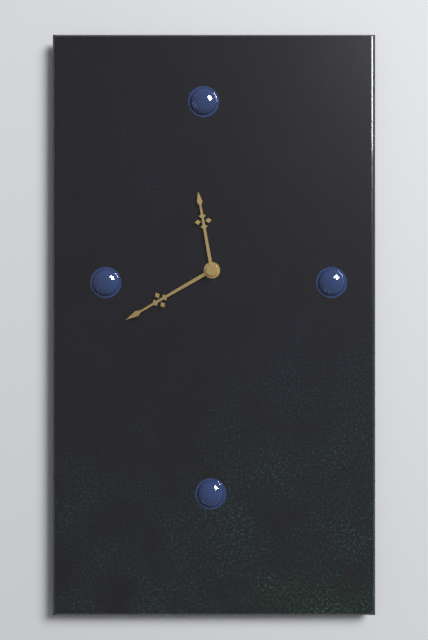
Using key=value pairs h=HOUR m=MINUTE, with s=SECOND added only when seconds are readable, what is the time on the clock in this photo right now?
h=11 m=40
